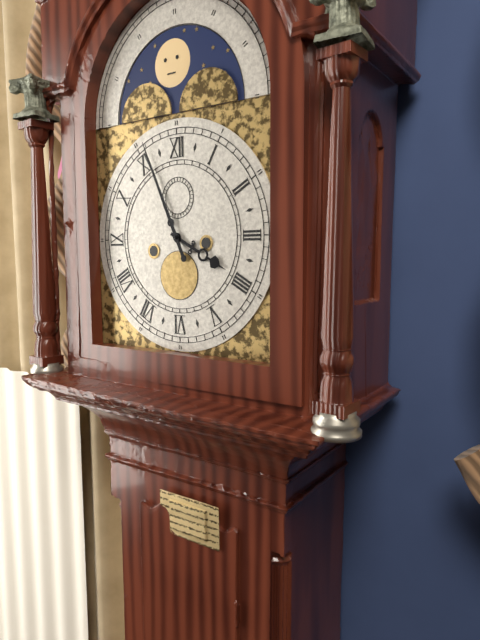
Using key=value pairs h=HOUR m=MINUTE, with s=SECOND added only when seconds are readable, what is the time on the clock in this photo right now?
h=3 m=56
